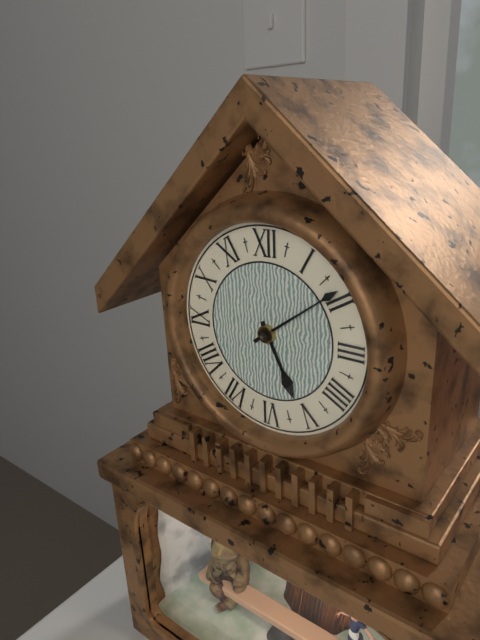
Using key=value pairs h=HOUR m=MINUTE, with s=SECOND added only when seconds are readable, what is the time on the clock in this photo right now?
h=5 m=9
